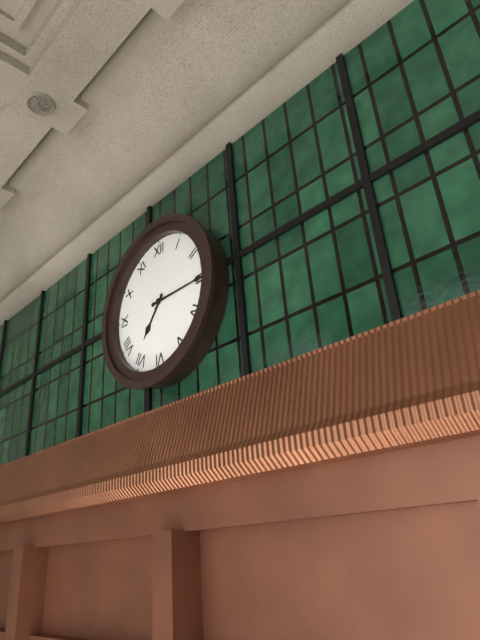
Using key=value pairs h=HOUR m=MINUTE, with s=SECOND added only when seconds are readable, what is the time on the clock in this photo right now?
h=7 m=15
